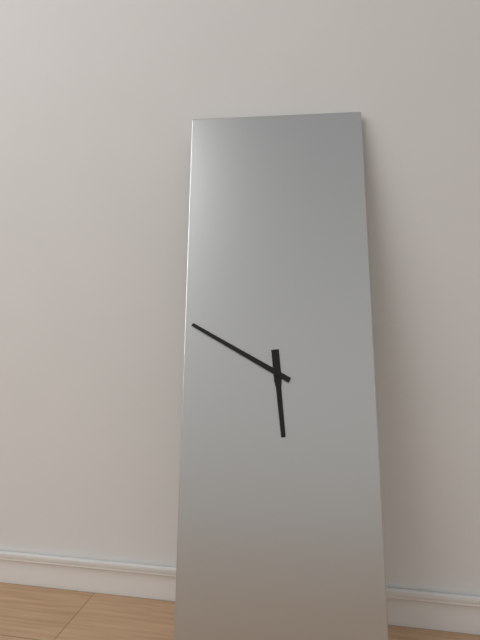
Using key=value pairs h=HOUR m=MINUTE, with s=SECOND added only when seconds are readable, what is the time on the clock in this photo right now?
h=5 m=50
